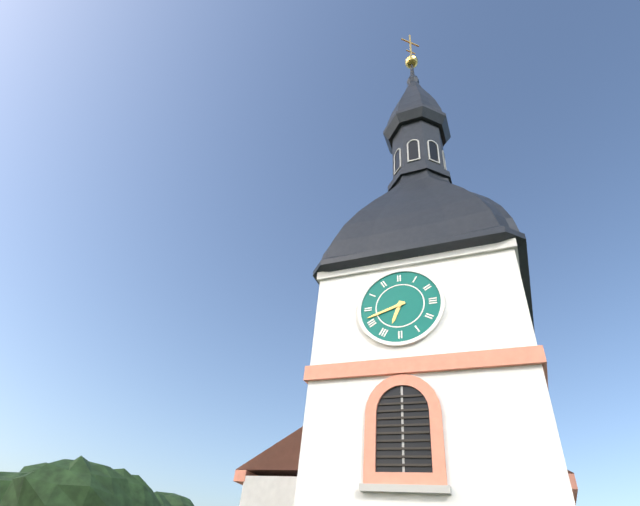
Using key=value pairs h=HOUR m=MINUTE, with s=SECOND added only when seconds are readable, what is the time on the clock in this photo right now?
h=6 m=42
